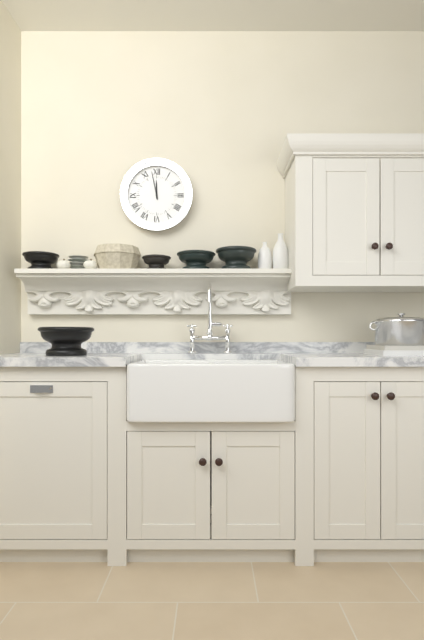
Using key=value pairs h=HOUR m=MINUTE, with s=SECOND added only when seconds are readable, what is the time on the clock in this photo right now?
h=11 m=58
